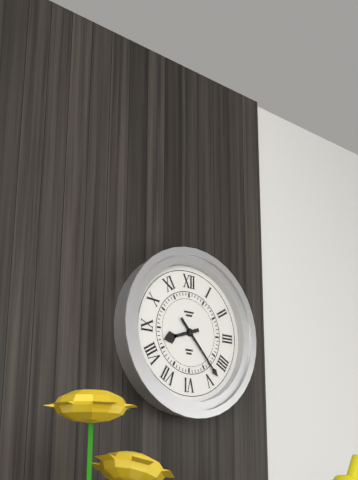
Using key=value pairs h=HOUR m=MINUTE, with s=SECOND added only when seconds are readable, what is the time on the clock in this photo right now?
h=8 m=23
